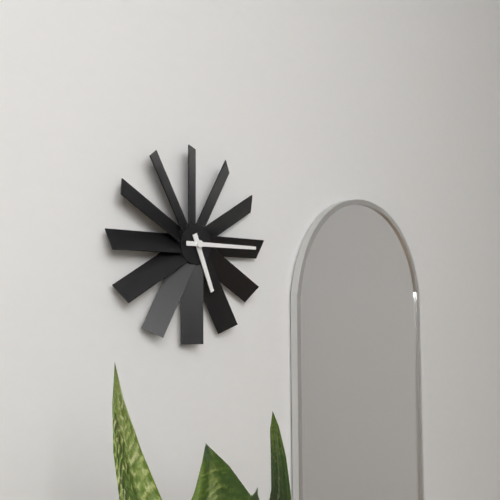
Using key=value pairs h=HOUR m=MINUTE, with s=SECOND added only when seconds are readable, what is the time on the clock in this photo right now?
h=5 m=15
